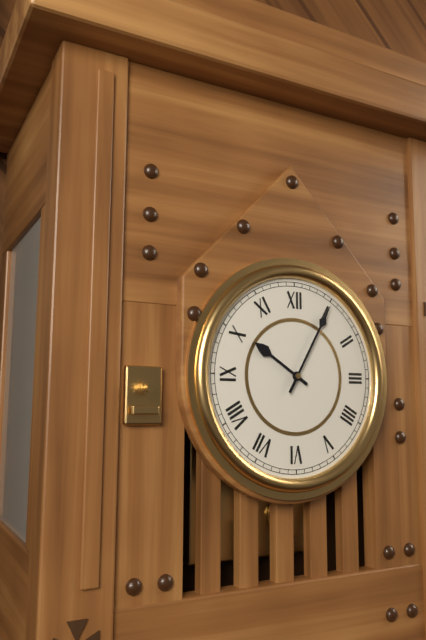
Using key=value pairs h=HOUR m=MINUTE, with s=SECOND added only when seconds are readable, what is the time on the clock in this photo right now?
h=10 m=5
